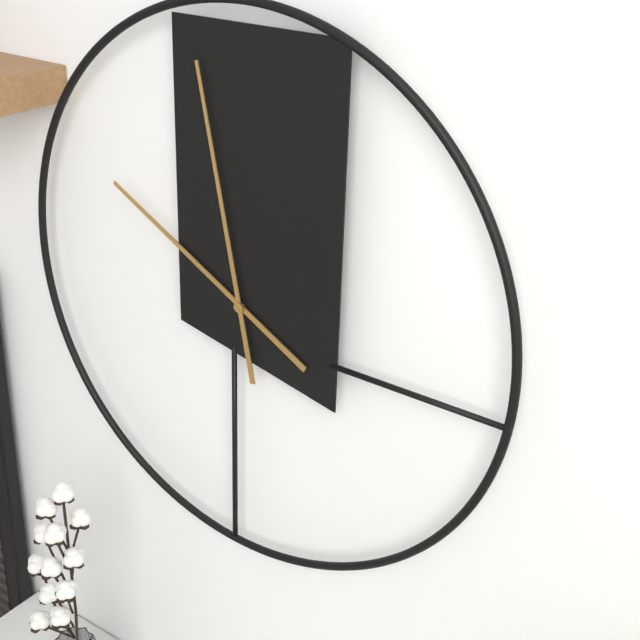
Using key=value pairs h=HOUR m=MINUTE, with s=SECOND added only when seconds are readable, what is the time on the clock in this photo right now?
h=9 m=58
